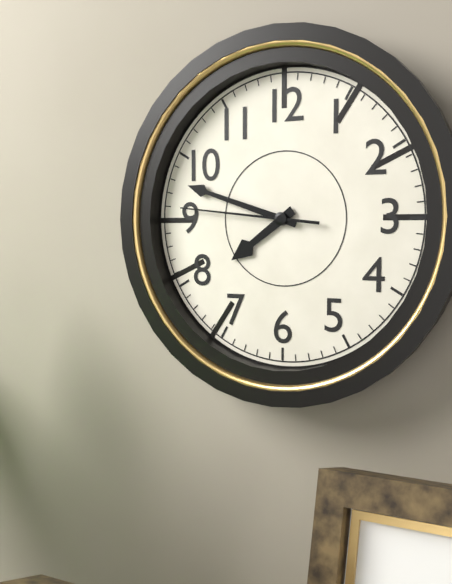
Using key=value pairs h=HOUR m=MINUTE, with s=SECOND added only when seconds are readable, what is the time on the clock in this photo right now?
h=7 m=48 s=46
